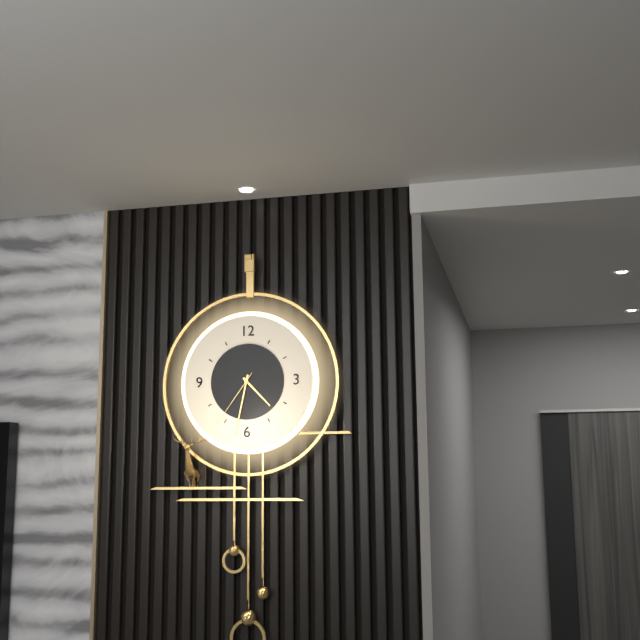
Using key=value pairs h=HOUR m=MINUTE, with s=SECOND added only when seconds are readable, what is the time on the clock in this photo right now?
h=4 m=32 s=36
